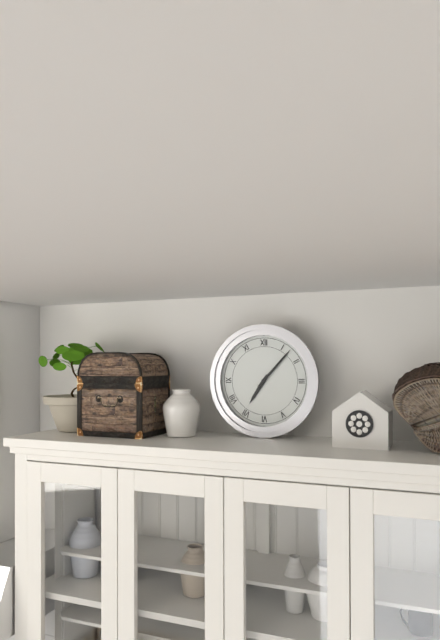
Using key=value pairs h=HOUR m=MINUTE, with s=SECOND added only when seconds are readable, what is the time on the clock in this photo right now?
h=7 m=7
